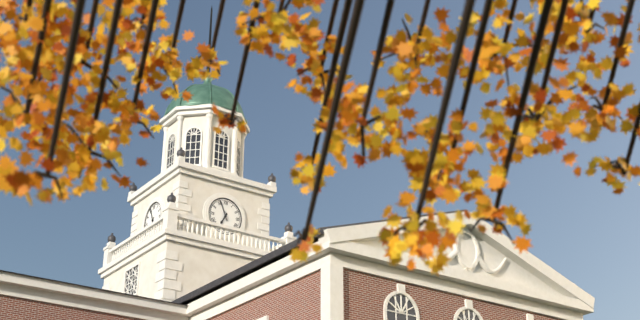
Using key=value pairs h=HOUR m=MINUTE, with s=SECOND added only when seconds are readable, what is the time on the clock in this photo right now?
h=6 m=56
